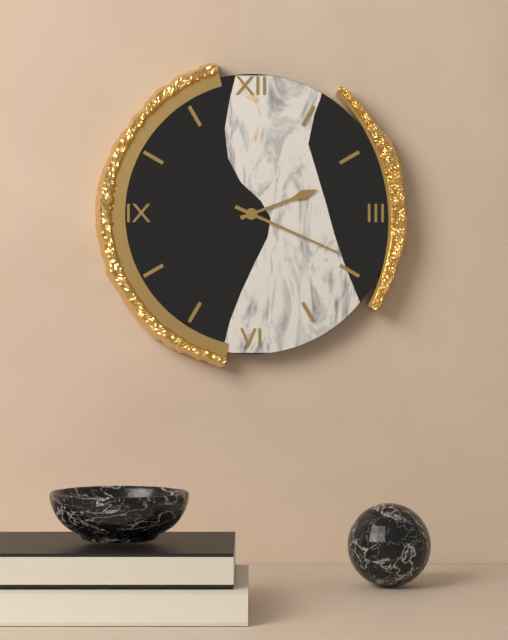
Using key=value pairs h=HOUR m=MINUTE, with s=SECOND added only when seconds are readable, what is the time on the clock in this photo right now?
h=2 m=19
